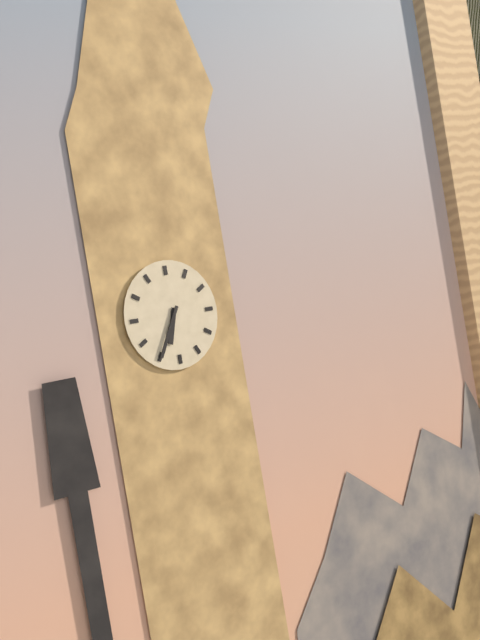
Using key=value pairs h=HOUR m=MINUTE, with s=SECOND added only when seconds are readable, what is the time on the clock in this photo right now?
h=6 m=35
